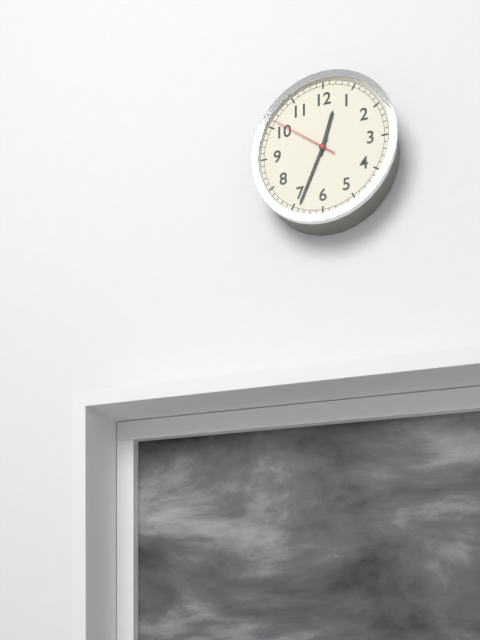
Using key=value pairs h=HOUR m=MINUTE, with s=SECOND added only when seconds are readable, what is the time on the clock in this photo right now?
h=12 m=34 s=51
